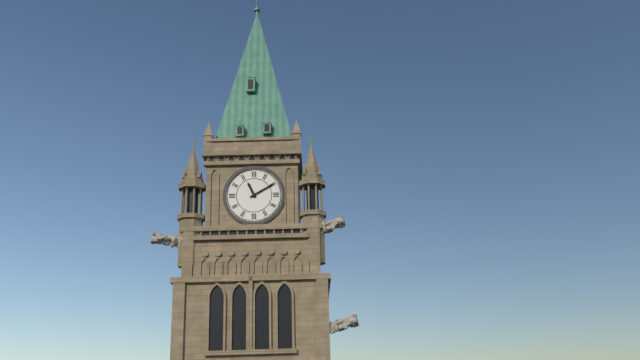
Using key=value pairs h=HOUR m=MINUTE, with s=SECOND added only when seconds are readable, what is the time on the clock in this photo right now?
h=11 m=10
